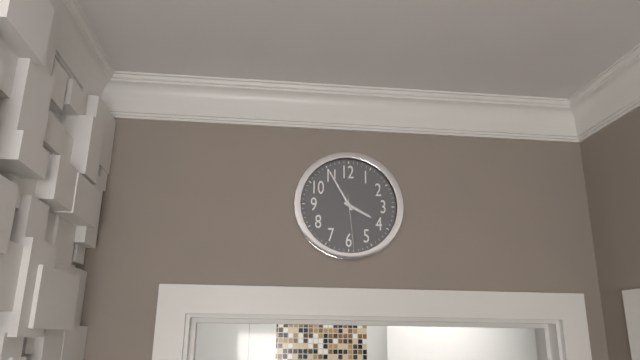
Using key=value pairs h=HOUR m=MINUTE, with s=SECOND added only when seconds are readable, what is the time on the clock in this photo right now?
h=3 m=55 s=29
